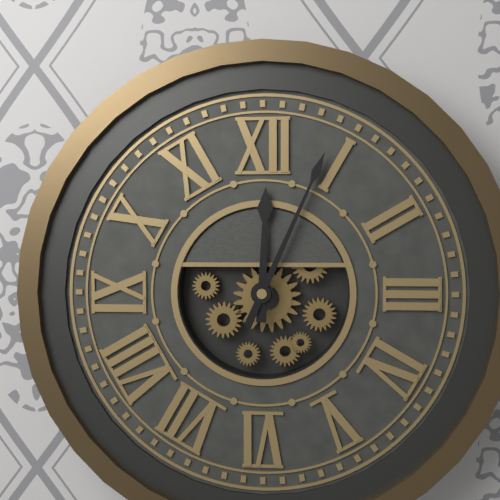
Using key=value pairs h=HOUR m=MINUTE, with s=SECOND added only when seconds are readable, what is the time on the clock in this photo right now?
h=12 m=4
